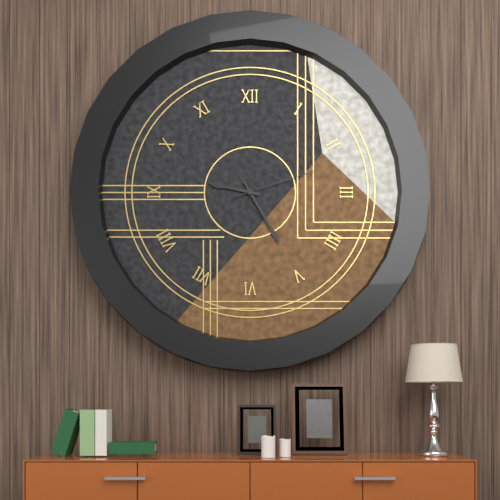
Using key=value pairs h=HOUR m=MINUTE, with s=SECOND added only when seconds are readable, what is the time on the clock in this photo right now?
h=9 m=25 s=12
